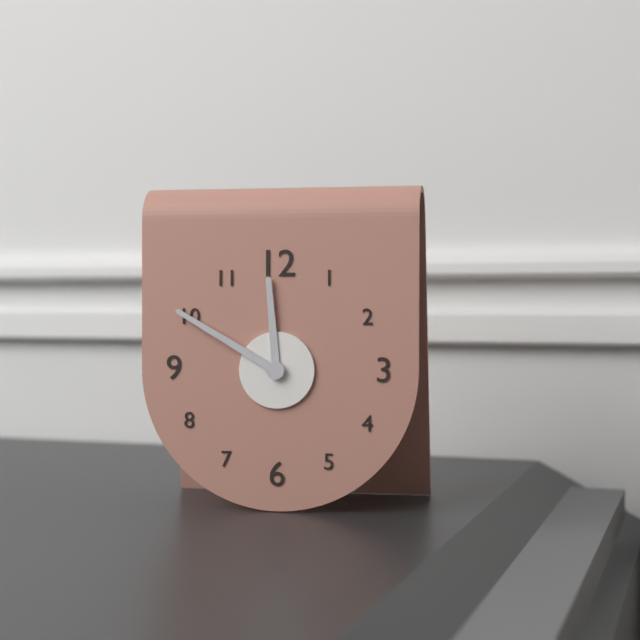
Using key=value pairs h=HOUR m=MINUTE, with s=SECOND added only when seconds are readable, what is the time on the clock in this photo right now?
h=11 m=50
